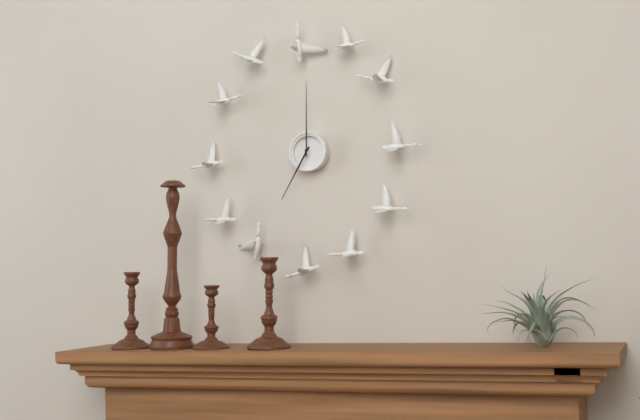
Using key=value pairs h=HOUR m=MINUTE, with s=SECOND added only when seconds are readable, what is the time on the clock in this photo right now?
h=7 m=0
